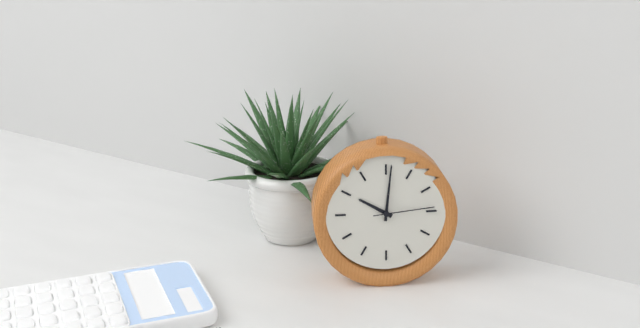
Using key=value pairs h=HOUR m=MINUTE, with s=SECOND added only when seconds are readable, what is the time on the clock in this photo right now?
h=10 m=1 s=14
